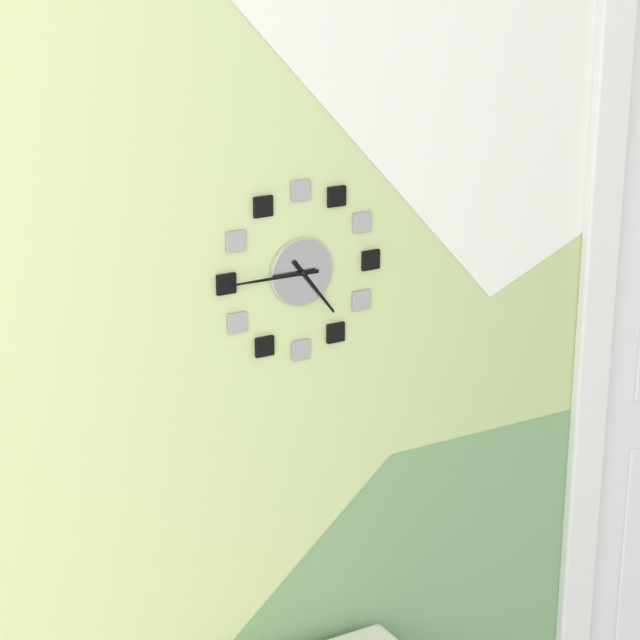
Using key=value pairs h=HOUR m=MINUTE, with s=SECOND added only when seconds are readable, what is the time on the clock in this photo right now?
h=4 m=45
